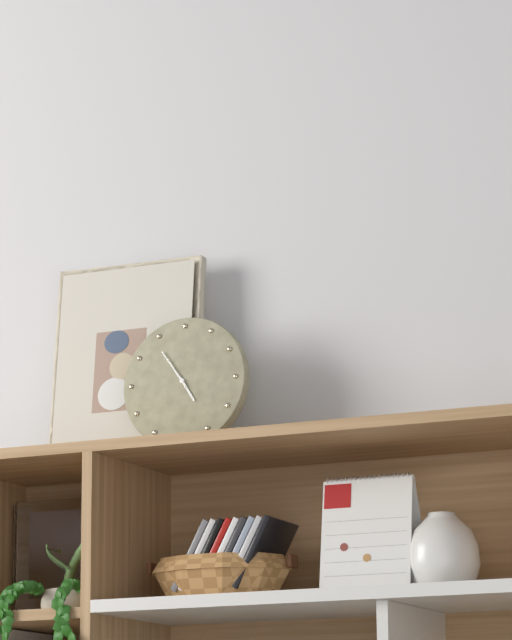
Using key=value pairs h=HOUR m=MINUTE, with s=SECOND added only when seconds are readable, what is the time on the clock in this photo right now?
h=4 m=54
